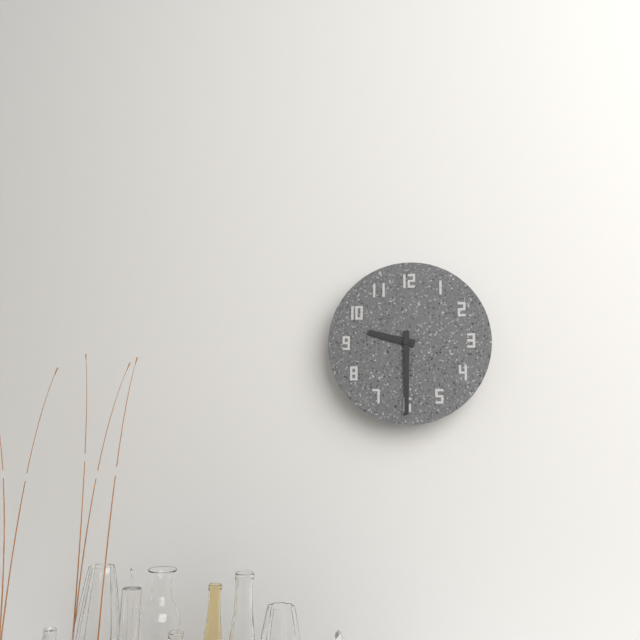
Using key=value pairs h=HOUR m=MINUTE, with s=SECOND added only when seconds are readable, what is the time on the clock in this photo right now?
h=9 m=30
